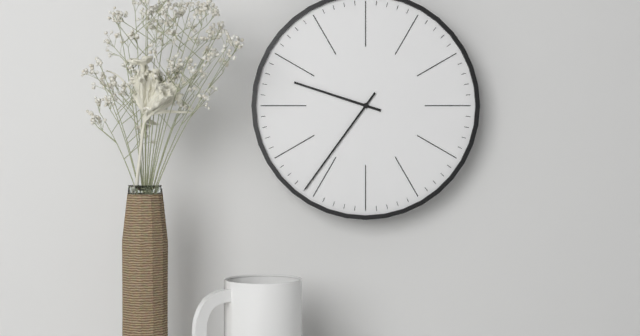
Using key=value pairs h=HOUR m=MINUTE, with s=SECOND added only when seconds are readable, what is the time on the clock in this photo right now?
h=9 m=36
